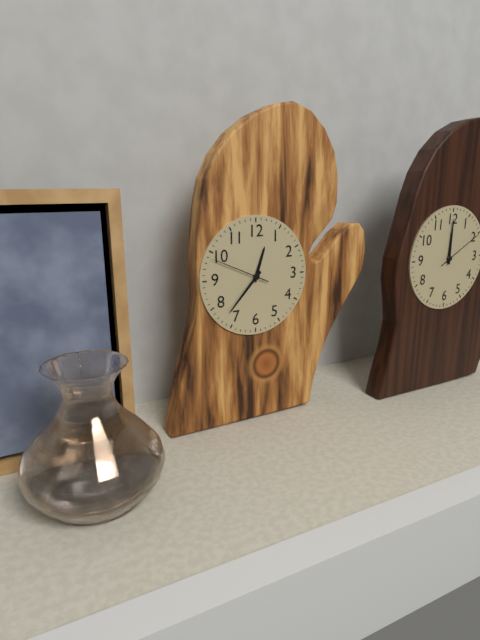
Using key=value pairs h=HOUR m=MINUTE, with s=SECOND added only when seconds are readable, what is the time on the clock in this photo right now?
h=12 m=37 s=49
